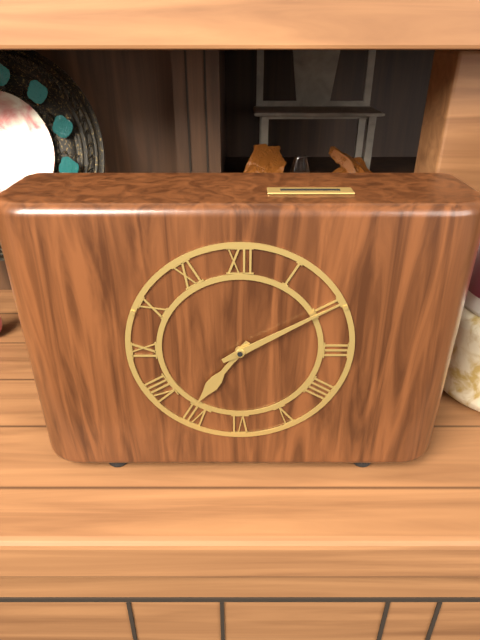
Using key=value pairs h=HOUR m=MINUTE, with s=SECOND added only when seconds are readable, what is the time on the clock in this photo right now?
h=7 m=10
